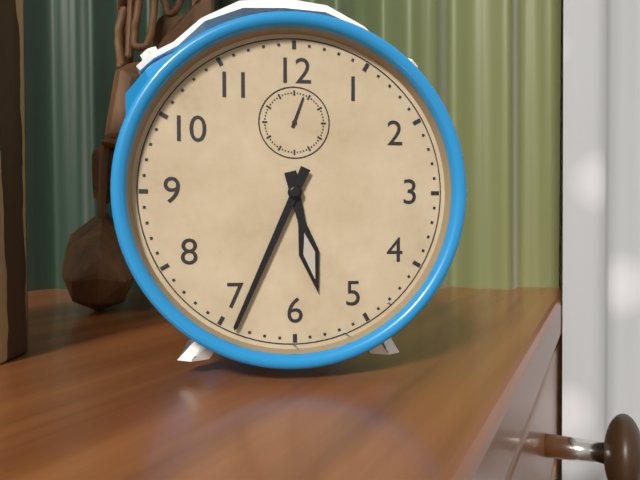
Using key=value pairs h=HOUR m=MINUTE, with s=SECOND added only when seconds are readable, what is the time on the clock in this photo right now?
h=5 m=34
